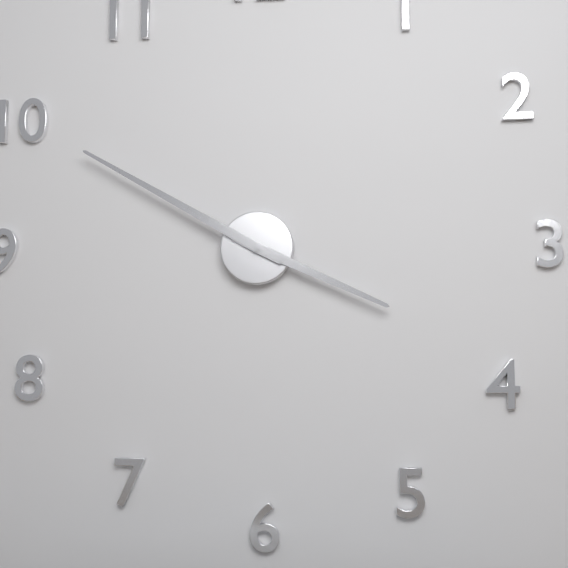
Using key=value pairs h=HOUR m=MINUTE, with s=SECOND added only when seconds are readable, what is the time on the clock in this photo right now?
h=3 m=50
